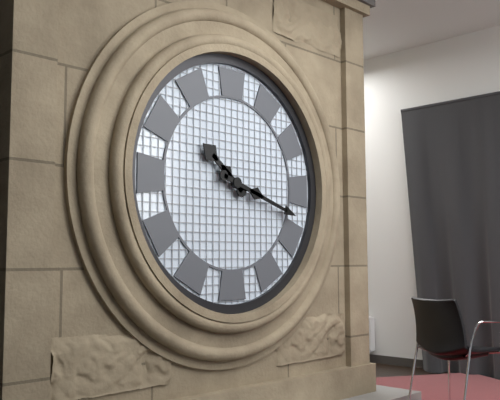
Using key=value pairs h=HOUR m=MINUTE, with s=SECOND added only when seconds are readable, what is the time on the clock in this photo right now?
h=10 m=18
